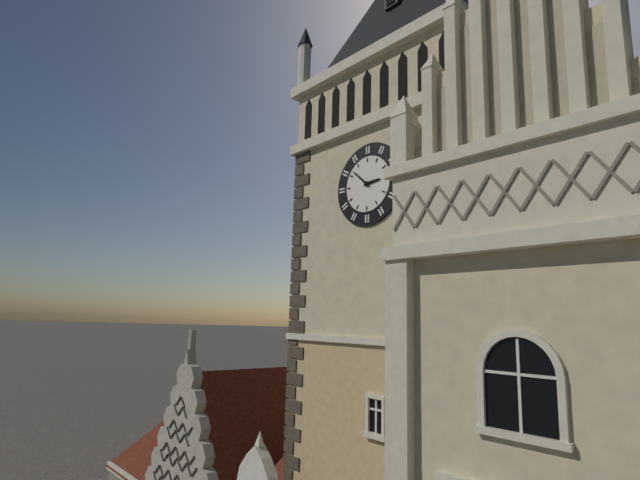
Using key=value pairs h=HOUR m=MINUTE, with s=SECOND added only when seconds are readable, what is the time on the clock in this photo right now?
h=2 m=52
